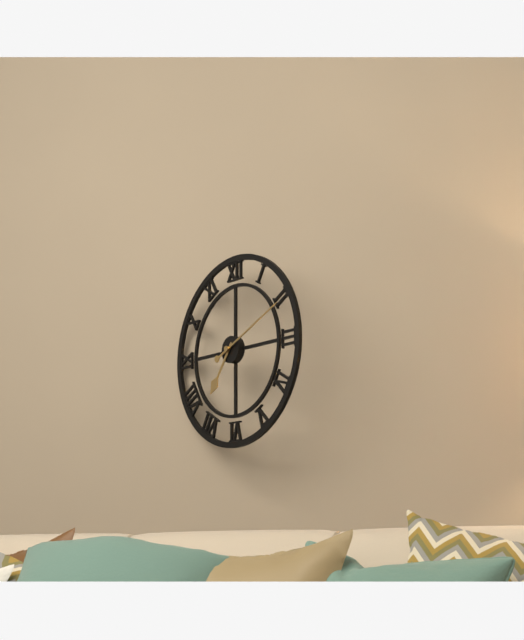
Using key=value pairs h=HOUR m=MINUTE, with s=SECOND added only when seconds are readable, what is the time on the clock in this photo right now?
h=7 m=11
